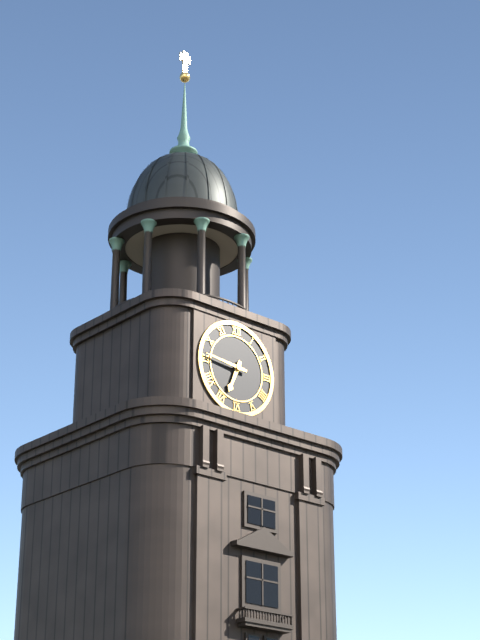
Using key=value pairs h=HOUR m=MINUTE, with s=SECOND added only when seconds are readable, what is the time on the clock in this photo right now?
h=6 m=46
